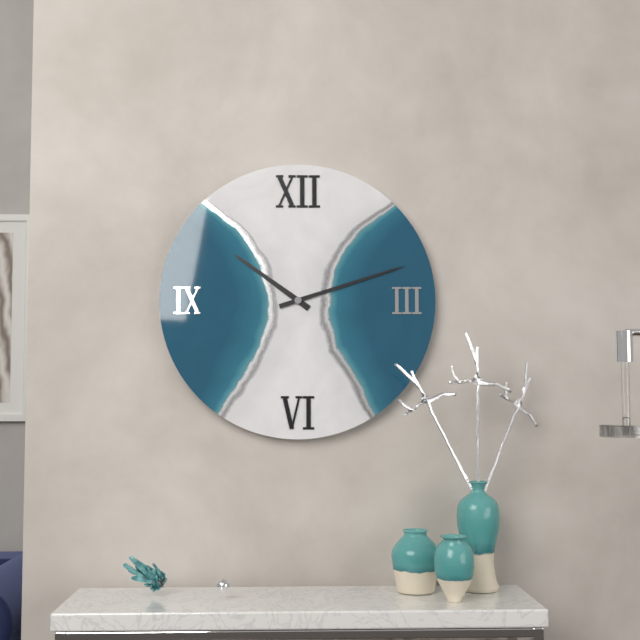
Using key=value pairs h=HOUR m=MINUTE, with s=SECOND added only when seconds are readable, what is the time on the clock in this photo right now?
h=10 m=12
